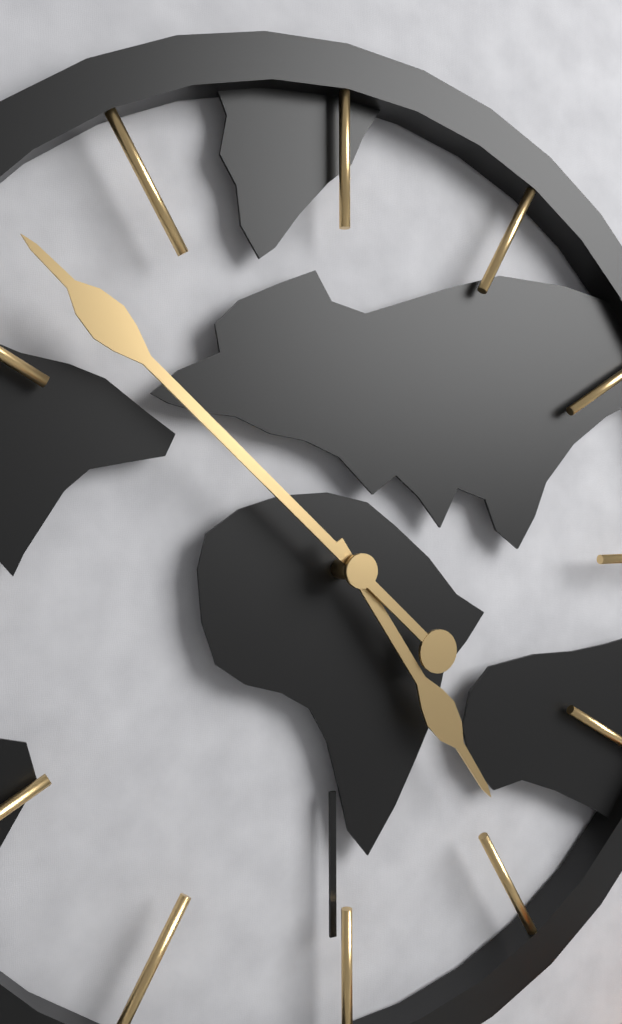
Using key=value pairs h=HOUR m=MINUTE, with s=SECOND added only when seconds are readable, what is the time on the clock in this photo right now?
h=4 m=52
